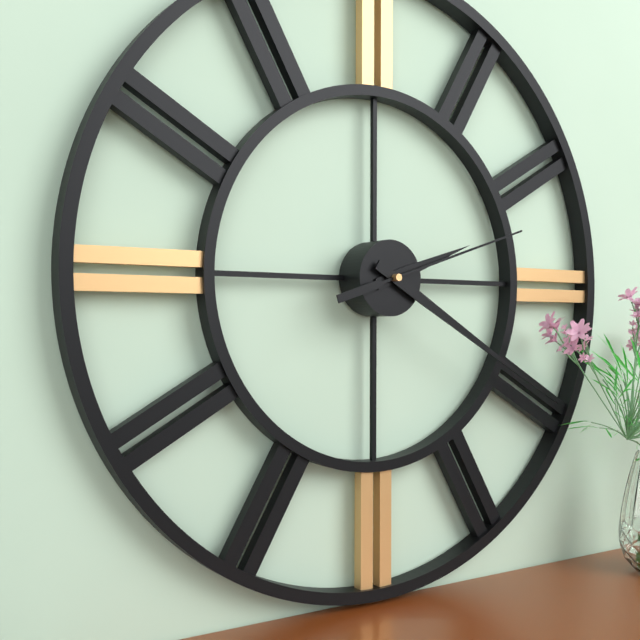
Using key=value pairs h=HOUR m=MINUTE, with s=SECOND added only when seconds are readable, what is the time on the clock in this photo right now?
h=2 m=20 s=12
